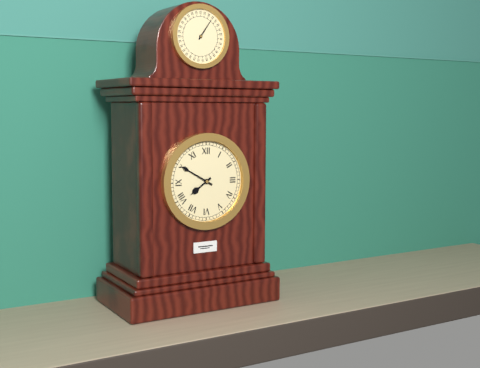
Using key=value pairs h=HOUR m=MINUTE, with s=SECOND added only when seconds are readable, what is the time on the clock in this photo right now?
h=7 m=50
